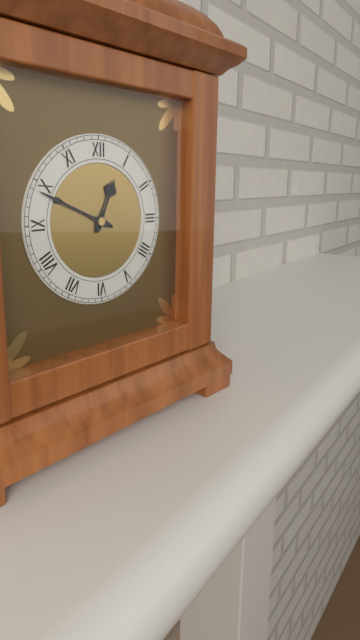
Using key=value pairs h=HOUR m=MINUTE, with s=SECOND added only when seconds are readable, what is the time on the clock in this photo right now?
h=12 m=49
